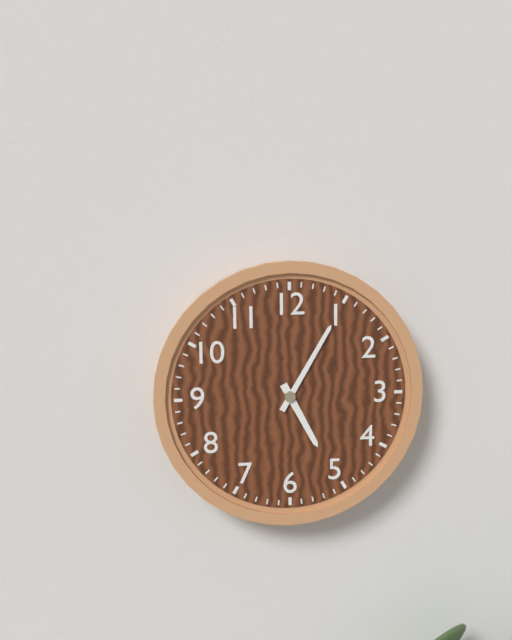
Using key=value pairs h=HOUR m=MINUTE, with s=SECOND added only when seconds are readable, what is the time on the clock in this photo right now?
h=5 m=5
